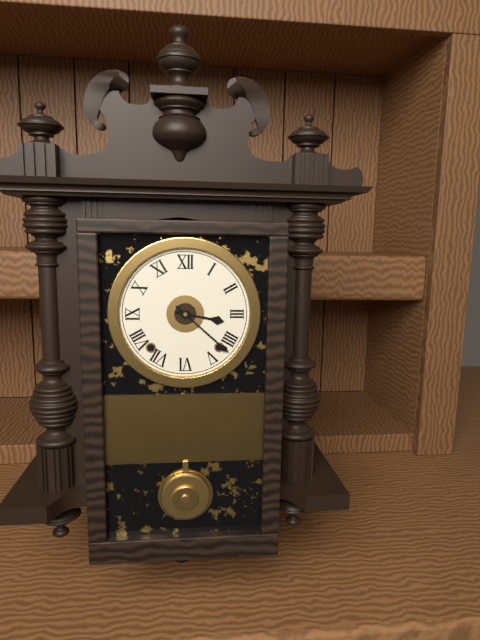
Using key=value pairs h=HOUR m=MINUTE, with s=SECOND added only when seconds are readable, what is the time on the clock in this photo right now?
h=3 m=22
